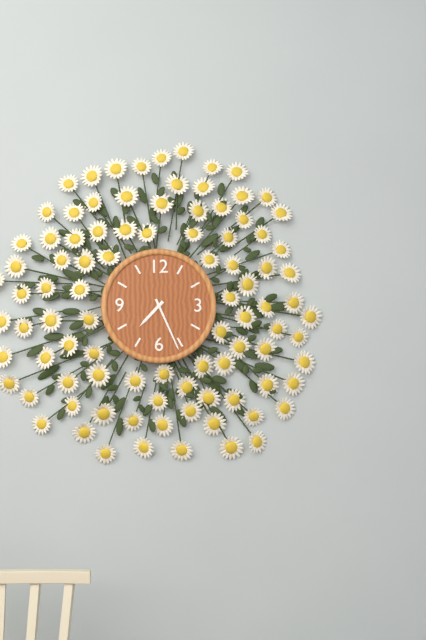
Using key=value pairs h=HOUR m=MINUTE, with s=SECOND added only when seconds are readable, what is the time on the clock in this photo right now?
h=7 m=26
